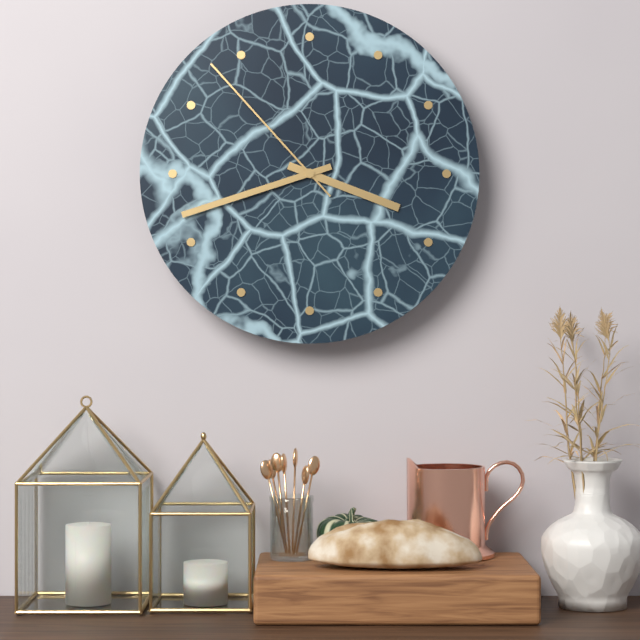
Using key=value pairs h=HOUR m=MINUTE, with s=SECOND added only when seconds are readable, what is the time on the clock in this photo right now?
h=3 m=42 s=53
